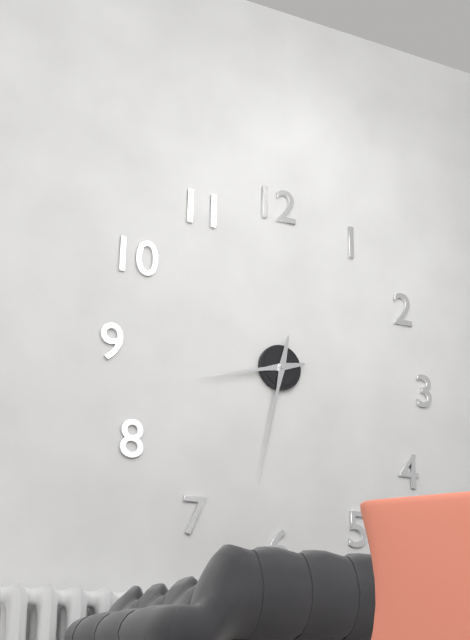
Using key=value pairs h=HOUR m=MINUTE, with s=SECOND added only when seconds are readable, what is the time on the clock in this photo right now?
h=8 m=32
